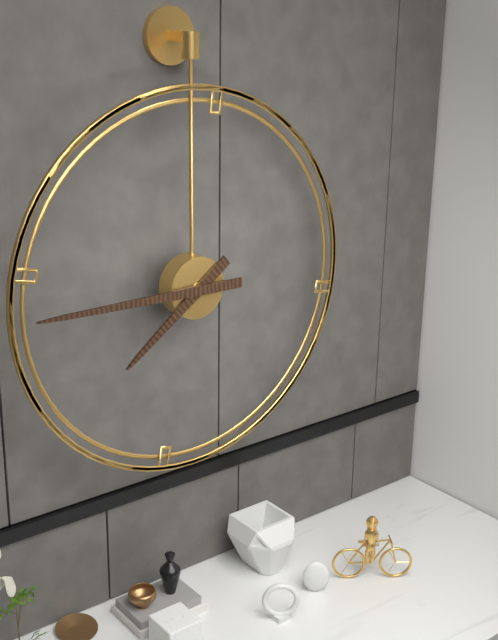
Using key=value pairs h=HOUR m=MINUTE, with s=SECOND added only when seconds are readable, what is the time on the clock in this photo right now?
h=7 m=45
